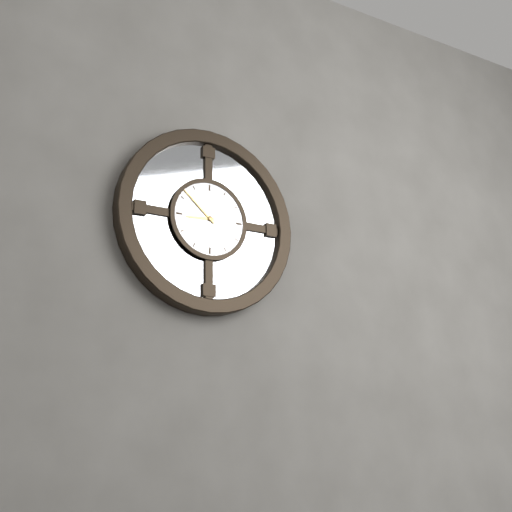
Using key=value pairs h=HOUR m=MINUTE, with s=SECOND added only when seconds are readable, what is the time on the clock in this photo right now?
h=8 m=52
